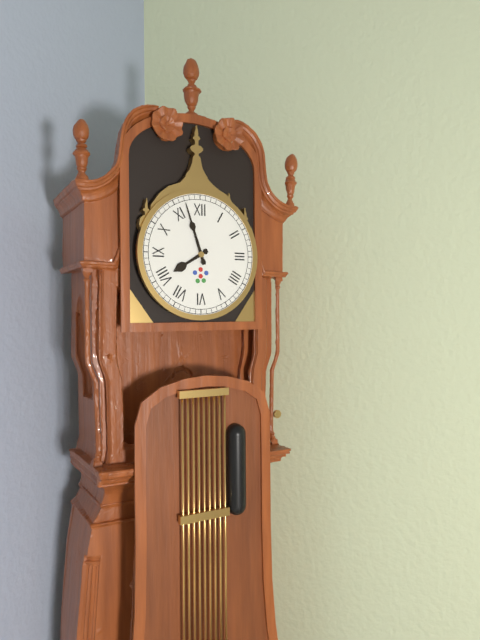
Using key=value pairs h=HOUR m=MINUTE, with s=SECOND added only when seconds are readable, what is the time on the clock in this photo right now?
h=7 m=57
